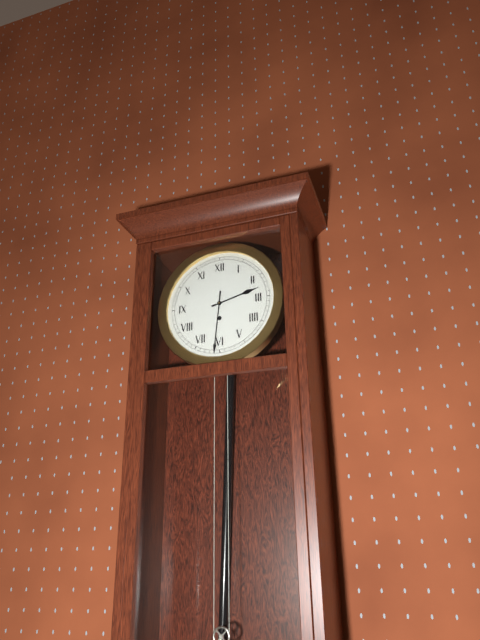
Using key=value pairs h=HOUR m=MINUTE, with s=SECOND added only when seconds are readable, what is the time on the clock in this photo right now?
h=2 m=31
